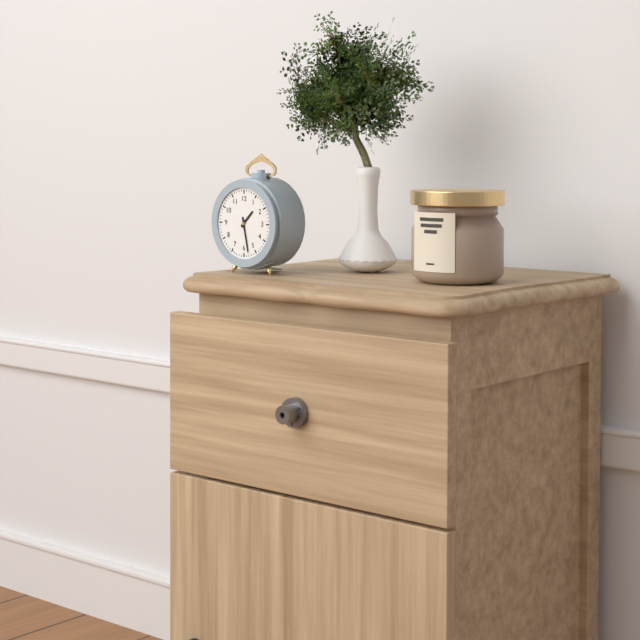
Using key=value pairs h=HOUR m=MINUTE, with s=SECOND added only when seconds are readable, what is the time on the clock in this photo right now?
h=1 m=28
